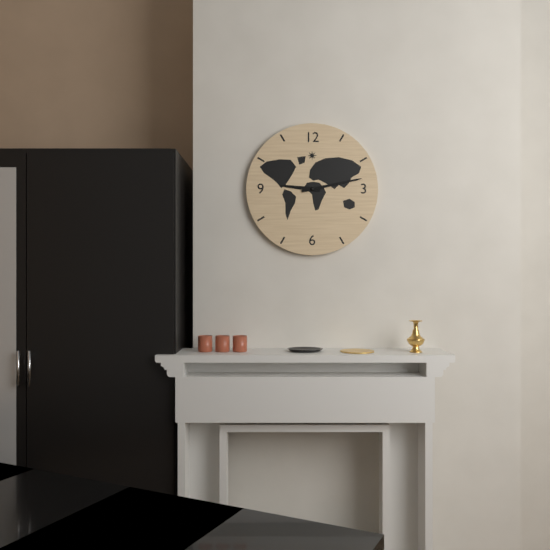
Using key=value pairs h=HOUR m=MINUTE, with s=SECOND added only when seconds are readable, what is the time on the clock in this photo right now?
h=9 m=13
